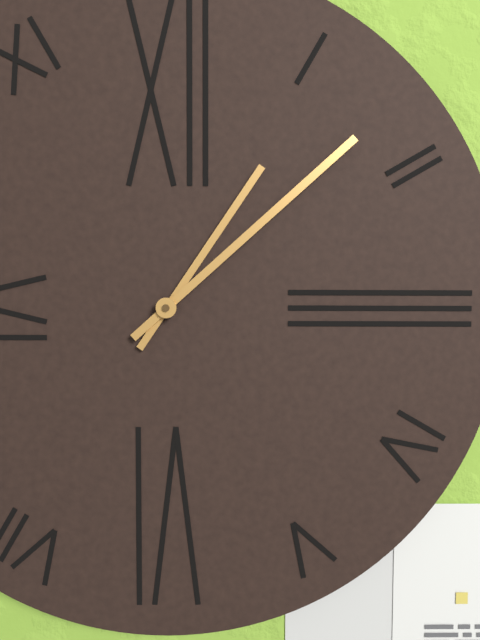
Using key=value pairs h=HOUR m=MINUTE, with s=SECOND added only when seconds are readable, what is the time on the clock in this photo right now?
h=1 m=8
